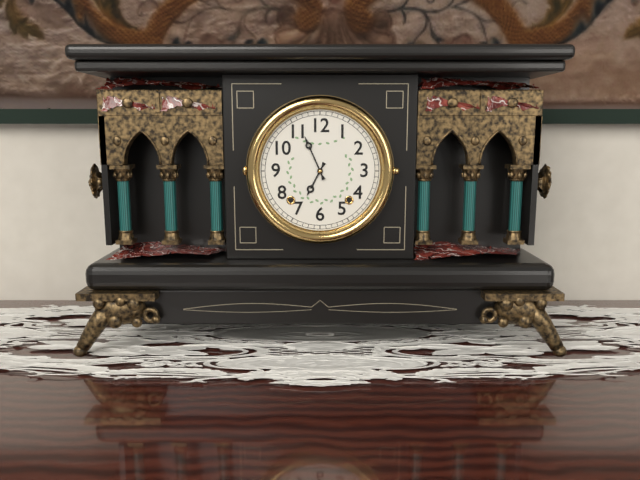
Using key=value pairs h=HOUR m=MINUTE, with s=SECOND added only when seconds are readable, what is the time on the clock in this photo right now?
h=6 m=56
